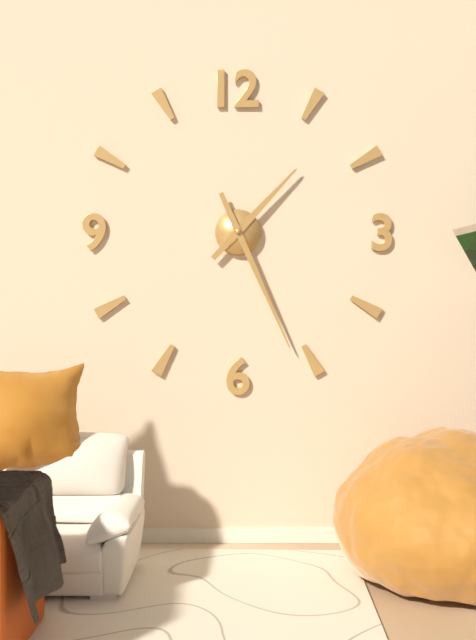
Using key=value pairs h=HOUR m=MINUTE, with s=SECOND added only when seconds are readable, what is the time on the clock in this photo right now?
h=1 m=26
